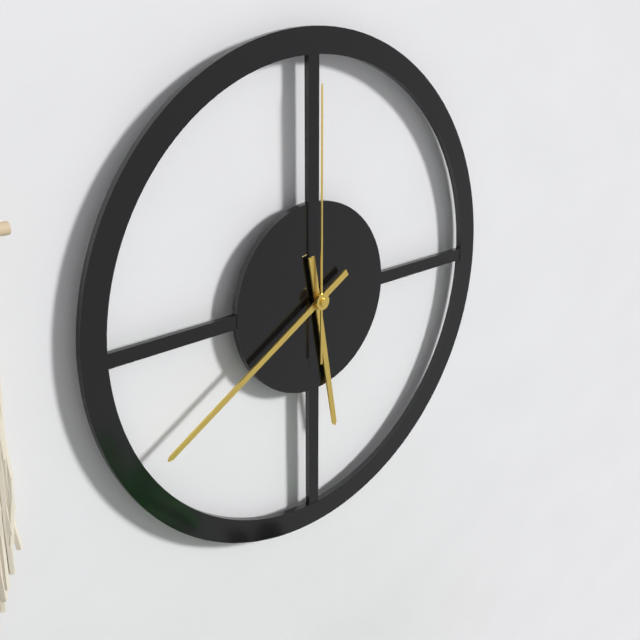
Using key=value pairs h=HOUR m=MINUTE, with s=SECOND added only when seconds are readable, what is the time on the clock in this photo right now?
h=5 m=40 s=0
